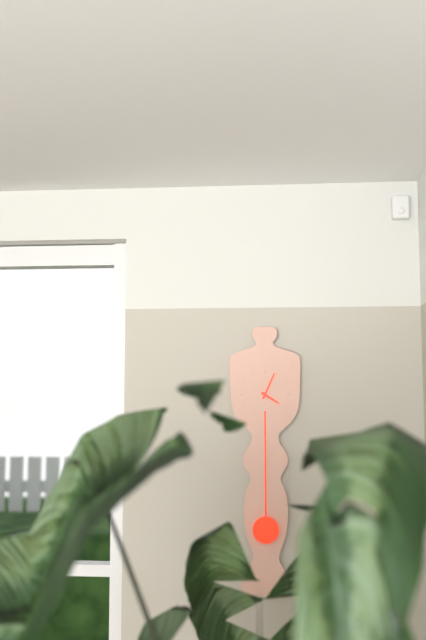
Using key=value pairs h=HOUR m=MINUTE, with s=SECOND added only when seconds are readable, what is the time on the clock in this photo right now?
h=4 m=4
